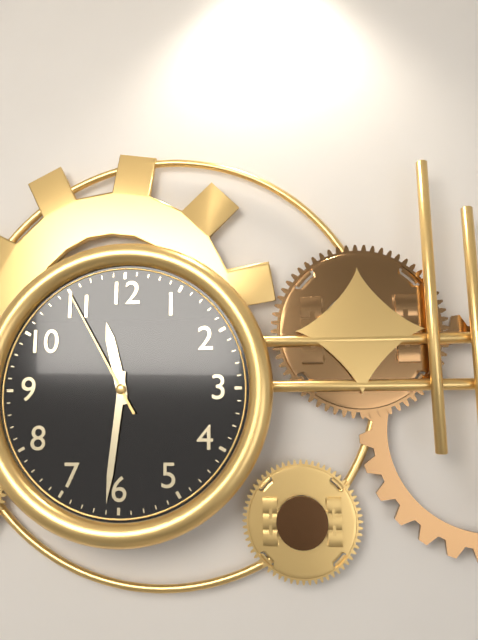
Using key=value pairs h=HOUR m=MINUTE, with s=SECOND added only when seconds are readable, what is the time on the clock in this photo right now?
h=11 m=31 s=55
